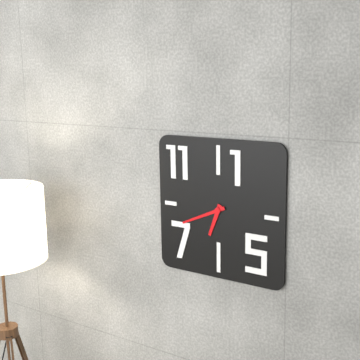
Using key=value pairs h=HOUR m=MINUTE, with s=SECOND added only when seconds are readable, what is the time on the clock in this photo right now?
h=6 m=41
